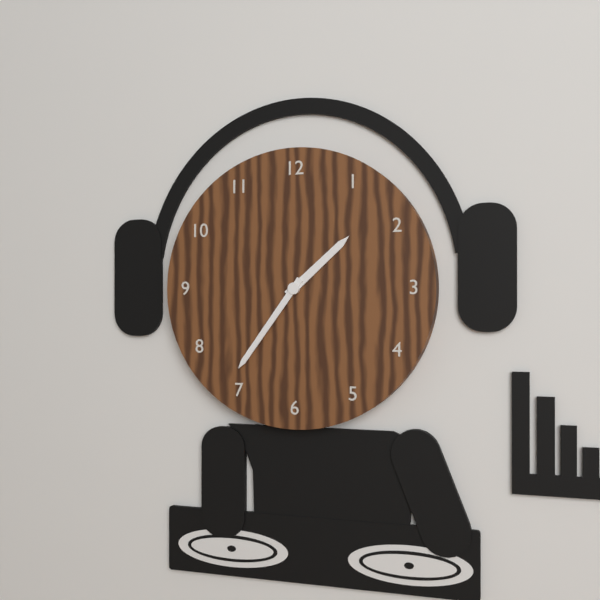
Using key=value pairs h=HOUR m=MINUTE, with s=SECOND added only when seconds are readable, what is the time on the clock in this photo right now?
h=1 m=36
